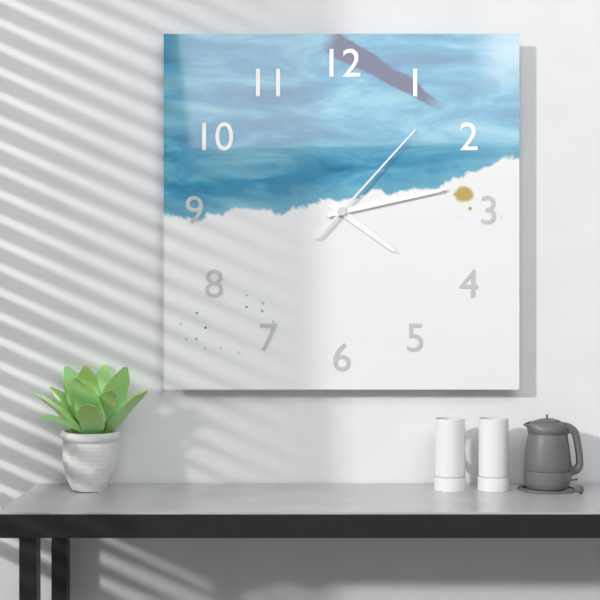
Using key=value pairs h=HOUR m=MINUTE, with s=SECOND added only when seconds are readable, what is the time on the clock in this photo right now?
h=4 m=13 s=7
